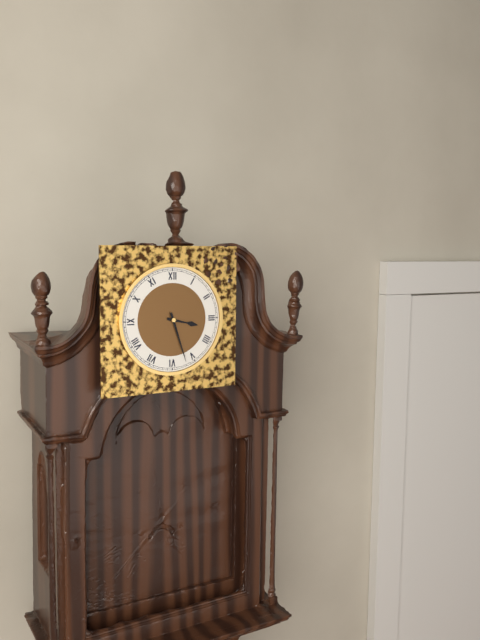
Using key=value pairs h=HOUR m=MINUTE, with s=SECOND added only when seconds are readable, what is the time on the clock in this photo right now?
h=3 m=27
